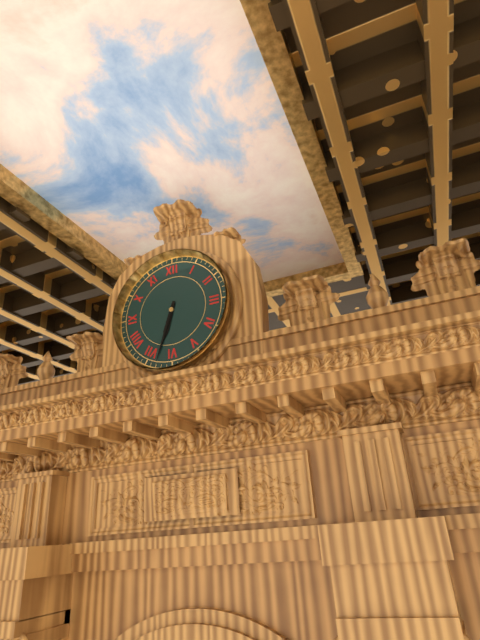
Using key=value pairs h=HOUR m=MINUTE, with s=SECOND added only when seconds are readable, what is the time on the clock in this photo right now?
h=6 m=33
